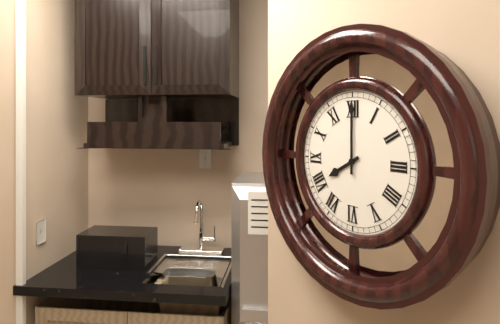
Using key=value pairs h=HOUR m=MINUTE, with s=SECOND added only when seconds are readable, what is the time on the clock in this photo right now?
h=8 m=0
